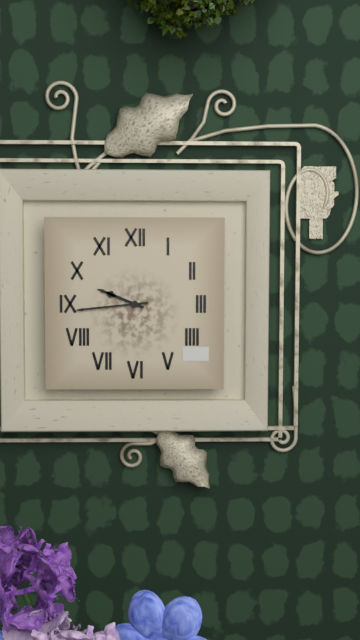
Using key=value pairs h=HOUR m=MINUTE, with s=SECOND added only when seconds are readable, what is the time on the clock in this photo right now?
h=9 m=44
